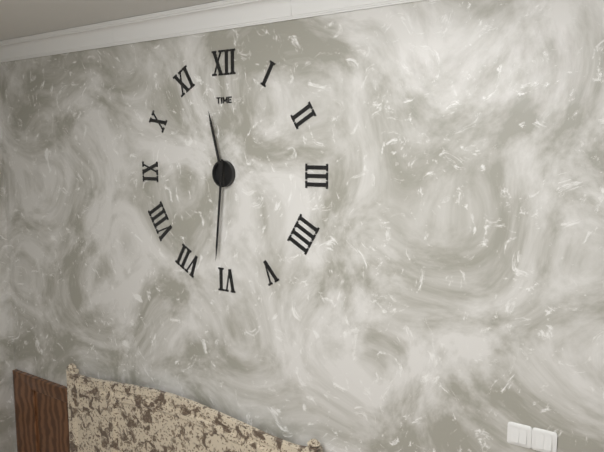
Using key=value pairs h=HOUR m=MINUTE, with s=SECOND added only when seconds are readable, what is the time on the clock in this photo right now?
h=11 m=31
